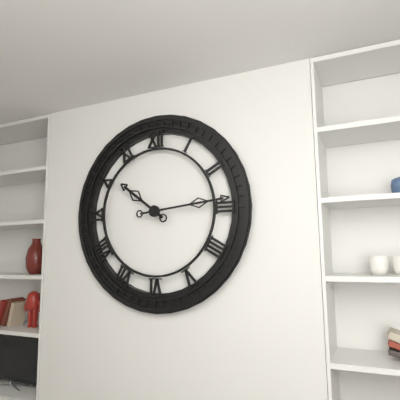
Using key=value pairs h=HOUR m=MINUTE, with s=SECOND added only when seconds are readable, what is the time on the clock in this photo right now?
h=10 m=14
